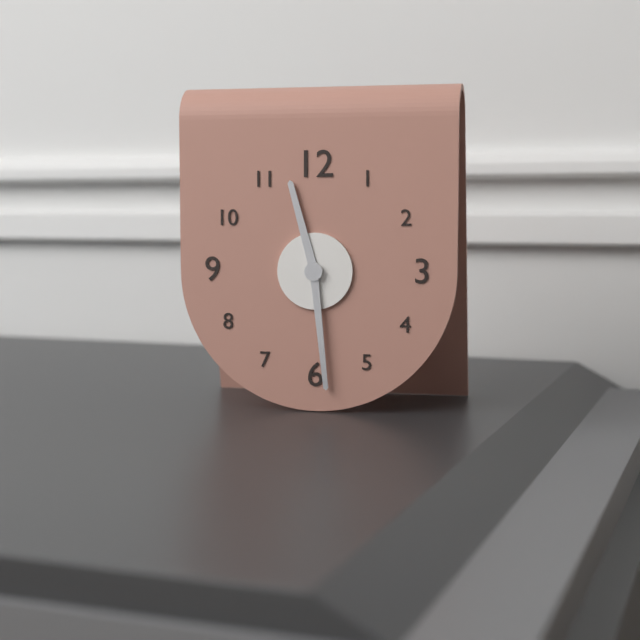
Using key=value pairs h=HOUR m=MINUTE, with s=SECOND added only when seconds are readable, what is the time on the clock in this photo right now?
h=11 m=29
